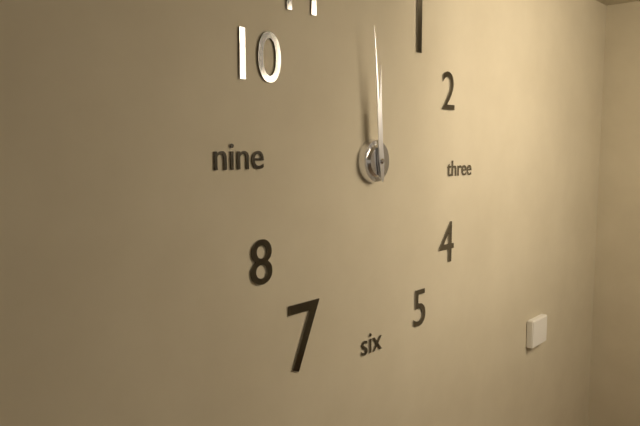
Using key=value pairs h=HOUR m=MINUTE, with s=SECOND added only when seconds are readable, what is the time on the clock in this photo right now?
h=11 m=59
